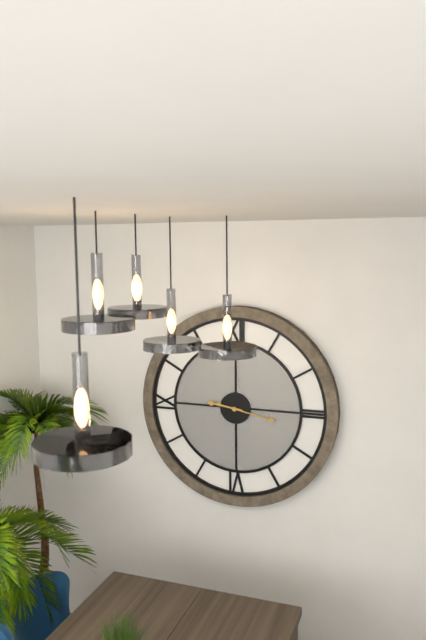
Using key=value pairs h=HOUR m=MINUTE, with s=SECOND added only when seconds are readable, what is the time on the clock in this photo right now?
h=9 m=17
